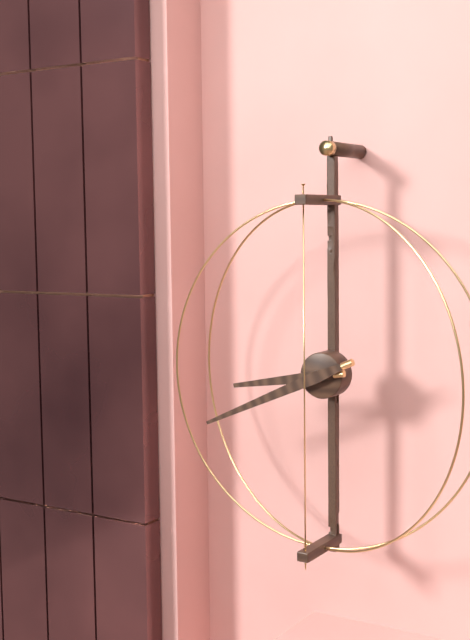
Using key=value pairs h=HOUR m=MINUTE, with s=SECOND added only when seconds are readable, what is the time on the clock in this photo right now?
h=8 m=41
